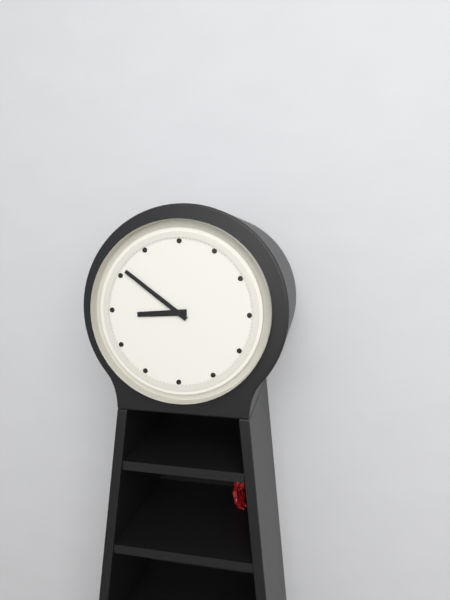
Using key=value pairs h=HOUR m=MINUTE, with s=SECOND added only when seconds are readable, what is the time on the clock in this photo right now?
h=8 m=51
